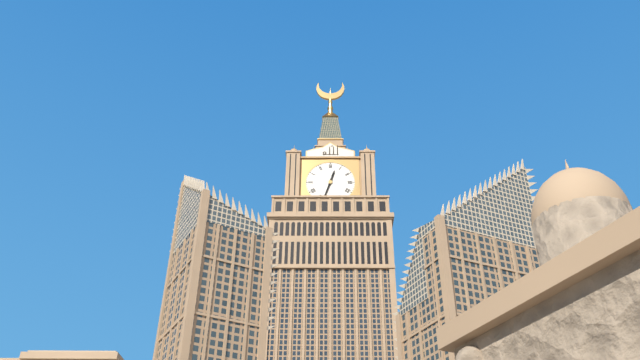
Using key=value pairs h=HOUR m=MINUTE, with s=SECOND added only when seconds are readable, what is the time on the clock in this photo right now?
h=12 m=33
